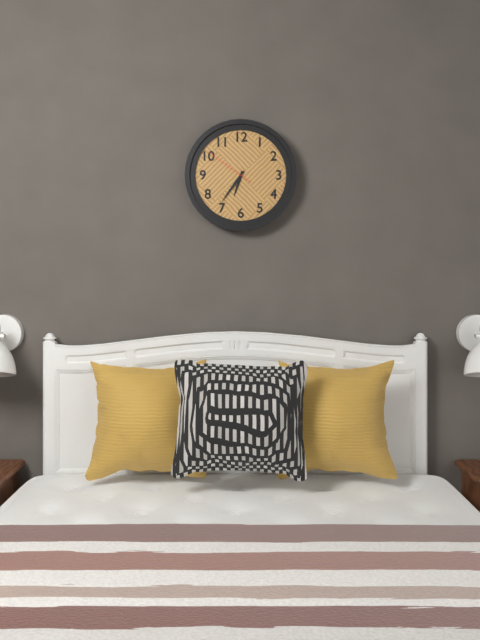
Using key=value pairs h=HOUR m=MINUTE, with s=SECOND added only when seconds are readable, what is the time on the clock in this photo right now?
h=6 m=36 s=51
